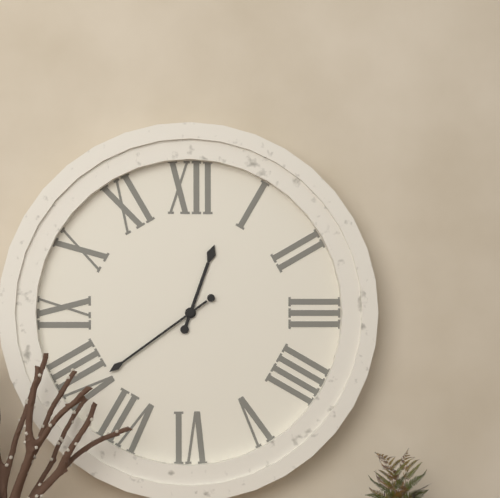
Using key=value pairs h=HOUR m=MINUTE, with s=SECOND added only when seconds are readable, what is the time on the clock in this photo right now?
h=12 m=39
